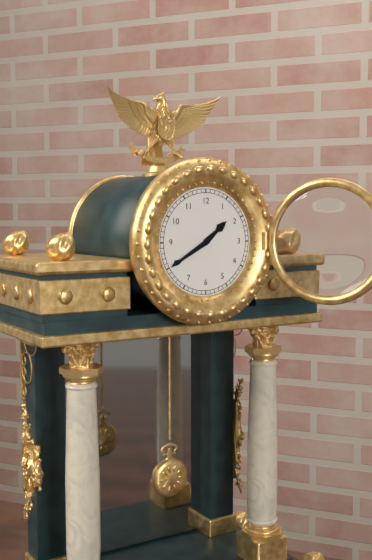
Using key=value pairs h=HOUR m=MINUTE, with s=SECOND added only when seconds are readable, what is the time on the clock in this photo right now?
h=1 m=40
